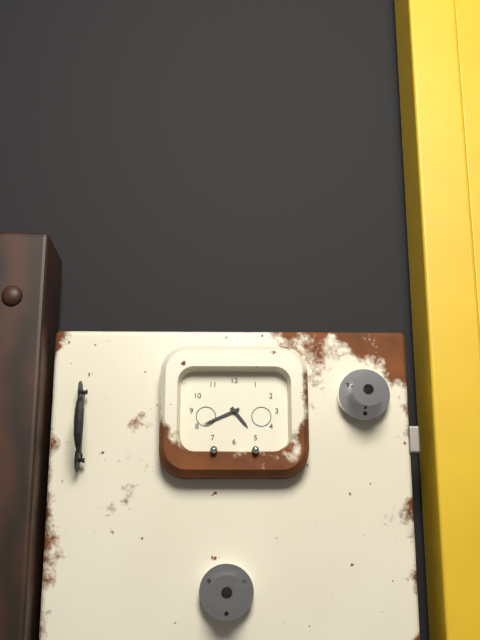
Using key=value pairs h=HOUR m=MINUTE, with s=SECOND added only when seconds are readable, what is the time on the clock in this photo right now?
h=4 m=41
